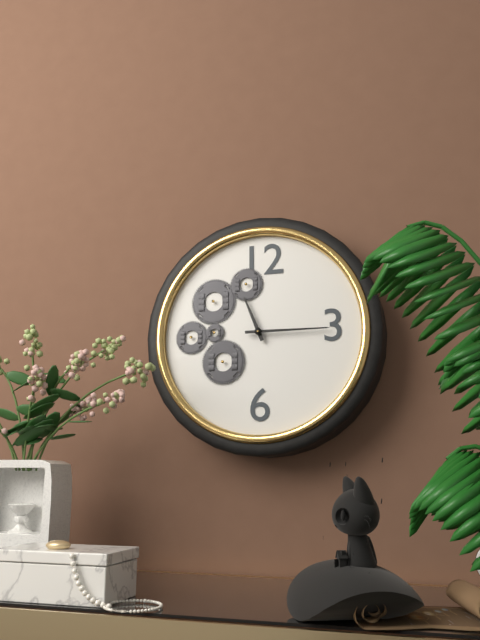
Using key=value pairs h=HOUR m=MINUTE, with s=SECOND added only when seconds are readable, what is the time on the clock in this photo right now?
h=11 m=15
